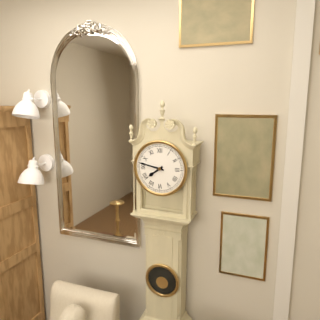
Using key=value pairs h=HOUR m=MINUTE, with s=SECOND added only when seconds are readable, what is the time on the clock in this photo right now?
h=7 m=47
